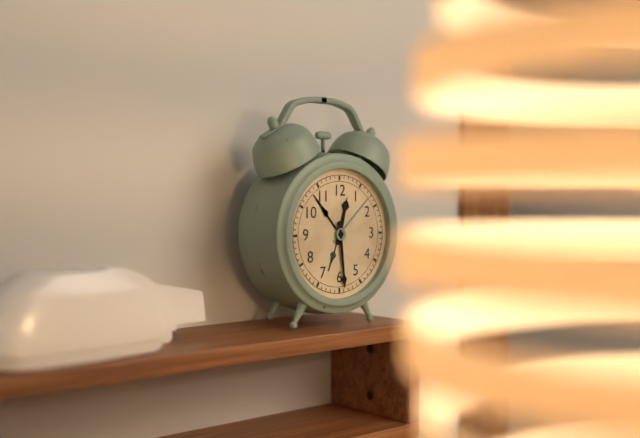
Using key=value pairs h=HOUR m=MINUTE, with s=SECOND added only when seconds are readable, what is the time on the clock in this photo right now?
h=12 m=29
